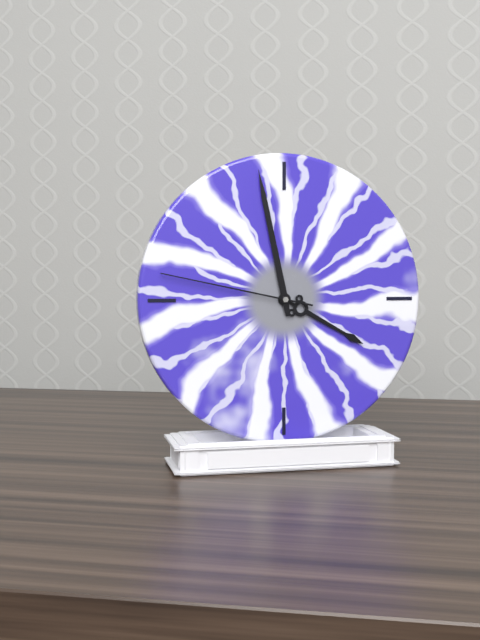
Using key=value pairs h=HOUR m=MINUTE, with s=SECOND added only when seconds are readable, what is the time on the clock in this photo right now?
h=3 m=58 s=47
